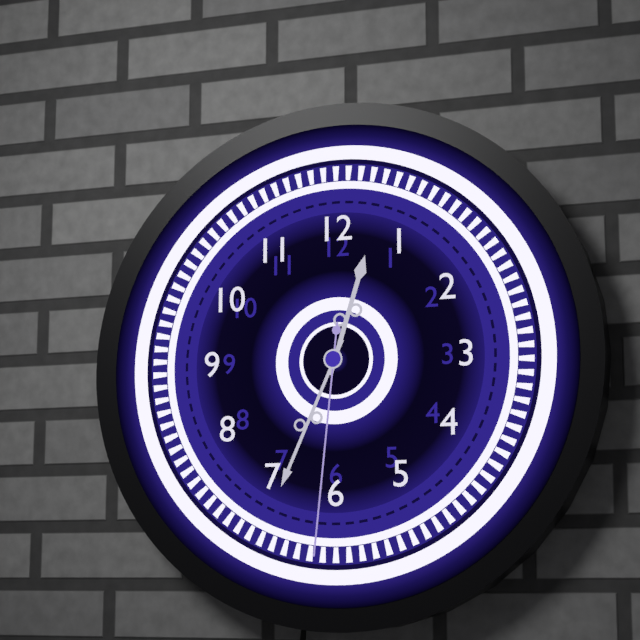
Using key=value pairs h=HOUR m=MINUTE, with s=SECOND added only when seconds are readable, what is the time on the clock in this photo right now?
h=12 m=34 s=31
